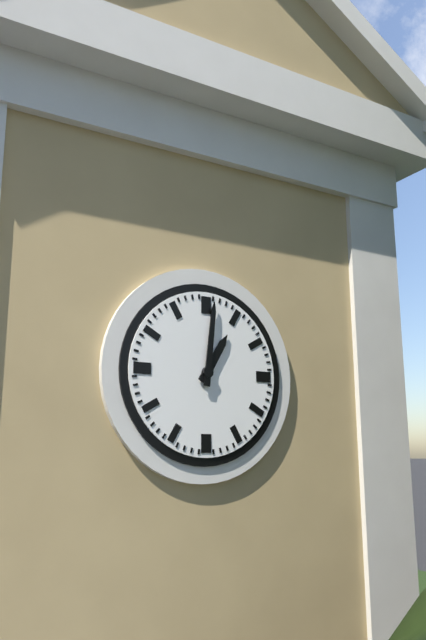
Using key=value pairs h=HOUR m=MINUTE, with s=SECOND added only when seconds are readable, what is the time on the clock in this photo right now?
h=1 m=1
